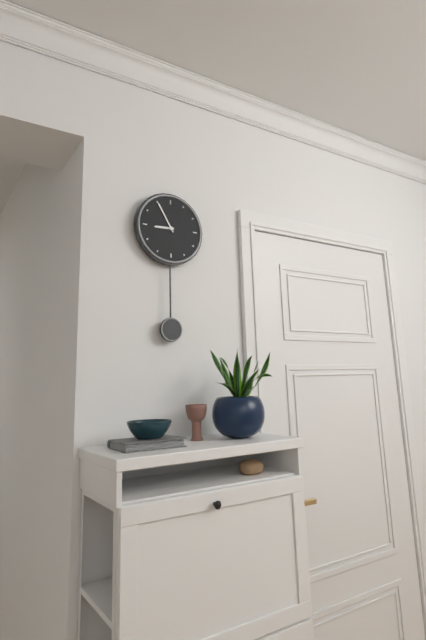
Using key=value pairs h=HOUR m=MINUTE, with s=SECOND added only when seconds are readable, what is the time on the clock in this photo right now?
h=8 m=55
